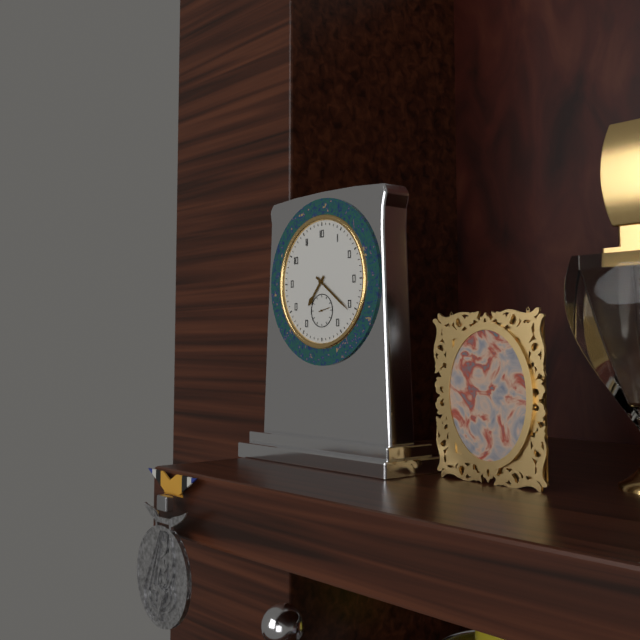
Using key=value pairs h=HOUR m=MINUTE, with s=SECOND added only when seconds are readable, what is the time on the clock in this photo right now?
h=7 m=21
